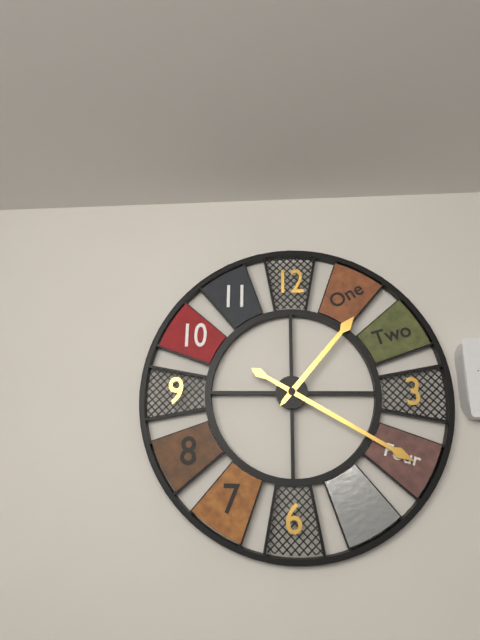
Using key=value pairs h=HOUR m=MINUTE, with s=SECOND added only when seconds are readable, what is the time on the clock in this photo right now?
h=1 m=20
